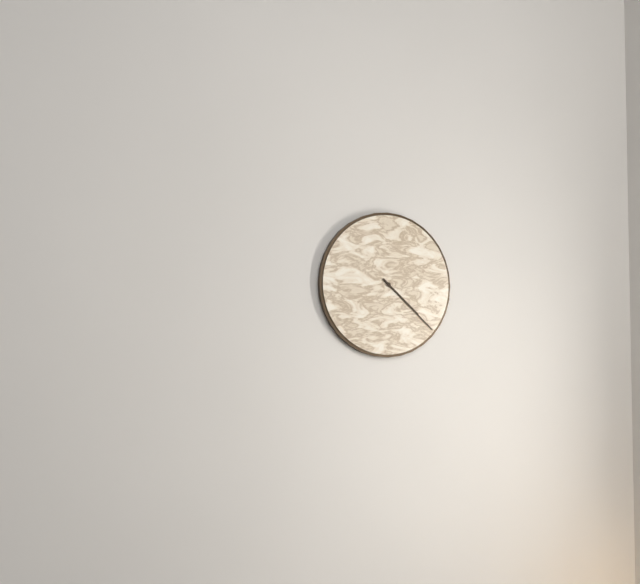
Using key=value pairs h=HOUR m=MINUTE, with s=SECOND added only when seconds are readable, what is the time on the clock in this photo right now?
h=4 m=22
